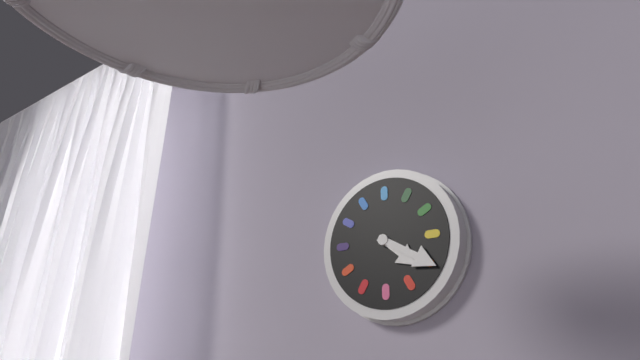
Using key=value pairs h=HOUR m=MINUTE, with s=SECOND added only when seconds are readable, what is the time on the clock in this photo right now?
h=4 m=20
